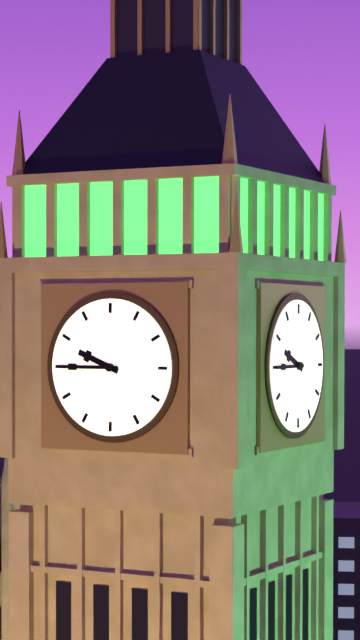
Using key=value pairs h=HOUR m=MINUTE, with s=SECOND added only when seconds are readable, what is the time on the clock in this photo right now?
h=9 m=45
